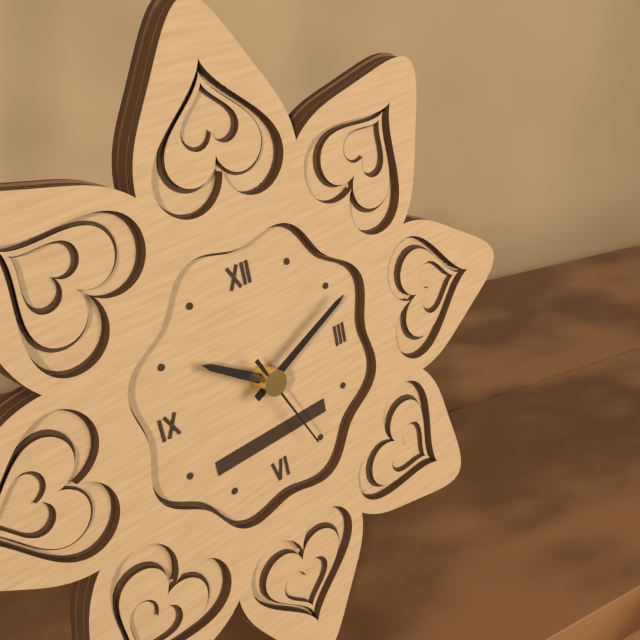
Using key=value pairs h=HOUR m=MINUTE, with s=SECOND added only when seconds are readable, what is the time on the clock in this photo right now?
h=10 m=11 s=26
